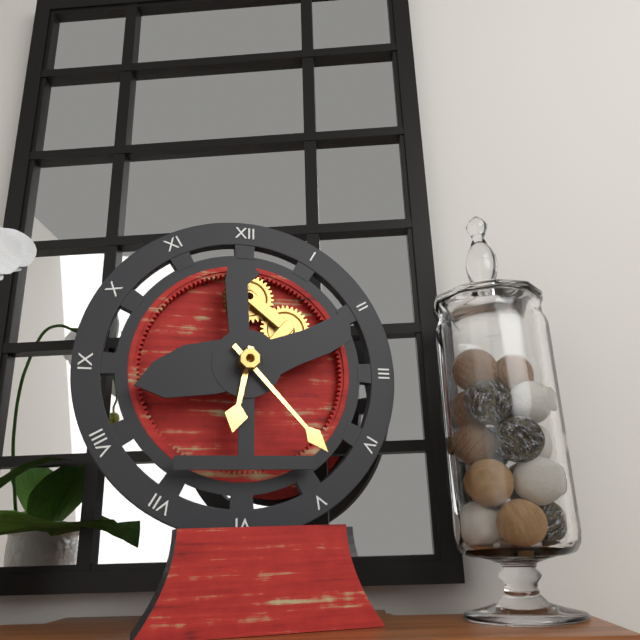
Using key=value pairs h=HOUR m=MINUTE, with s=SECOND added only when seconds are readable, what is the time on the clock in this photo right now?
h=6 m=23
